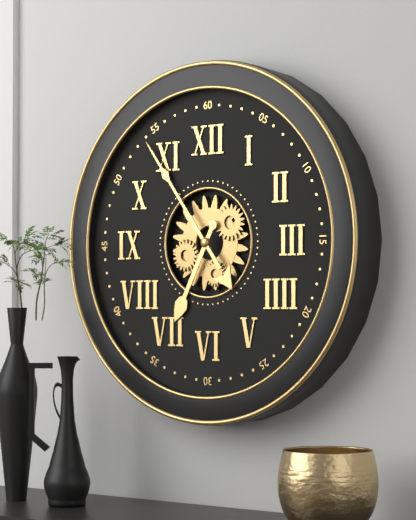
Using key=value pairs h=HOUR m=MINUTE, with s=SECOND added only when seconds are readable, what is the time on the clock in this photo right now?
h=6 m=54
